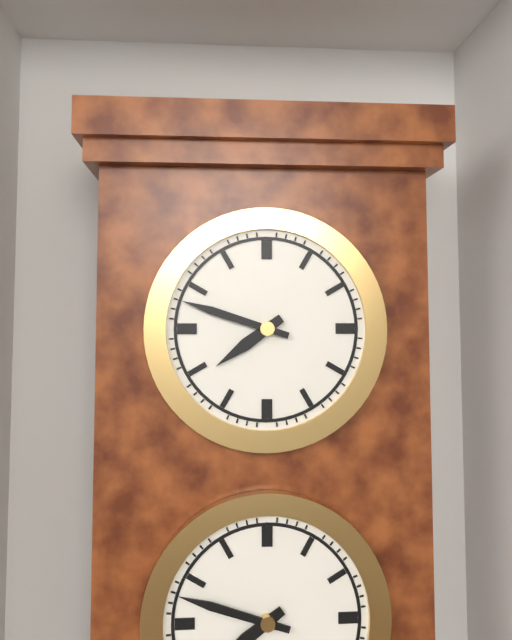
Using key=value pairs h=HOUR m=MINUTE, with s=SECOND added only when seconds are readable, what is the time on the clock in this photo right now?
h=7 m=48
